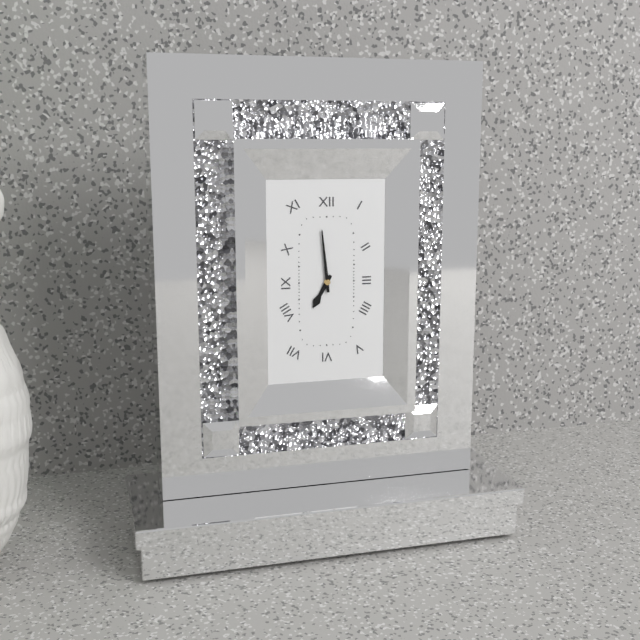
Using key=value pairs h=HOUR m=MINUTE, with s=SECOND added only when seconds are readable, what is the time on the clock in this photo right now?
h=6 m=59
